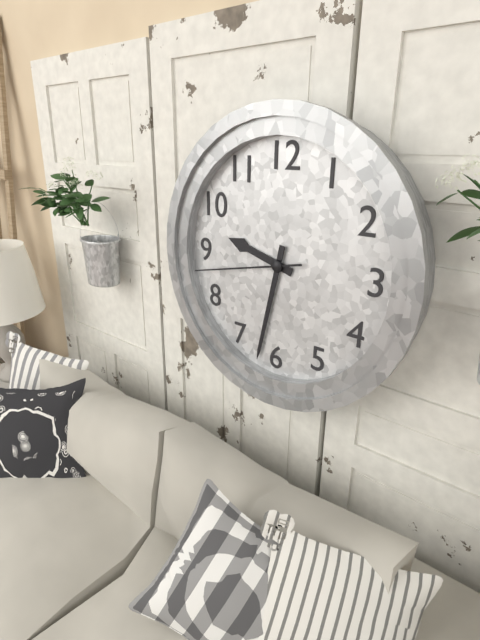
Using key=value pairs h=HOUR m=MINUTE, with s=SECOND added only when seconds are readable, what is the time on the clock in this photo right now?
h=9 m=32 s=43
